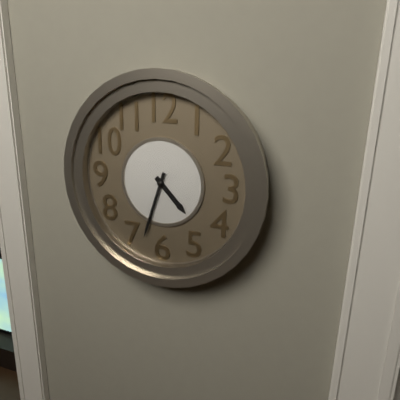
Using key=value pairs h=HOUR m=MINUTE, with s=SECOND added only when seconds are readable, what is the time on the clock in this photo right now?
h=4 m=33
